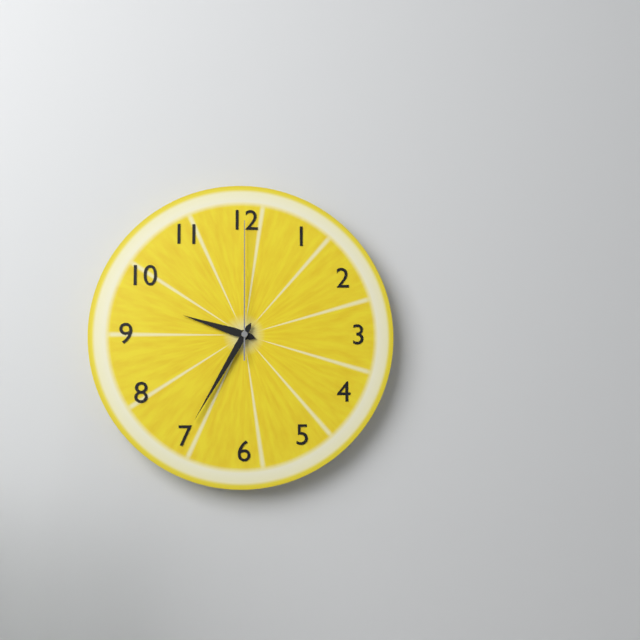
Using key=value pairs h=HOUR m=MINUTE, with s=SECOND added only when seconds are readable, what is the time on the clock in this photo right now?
h=9 m=35 s=0
